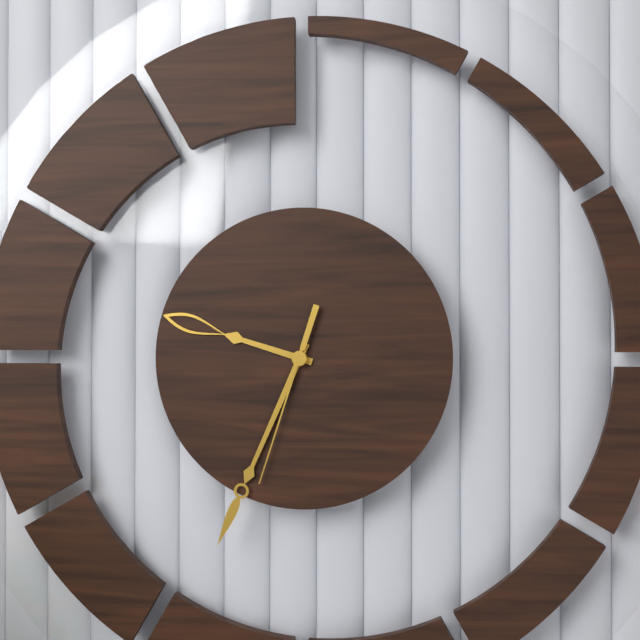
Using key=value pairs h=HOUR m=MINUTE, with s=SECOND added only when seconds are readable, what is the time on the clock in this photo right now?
h=9 m=34 s=33
